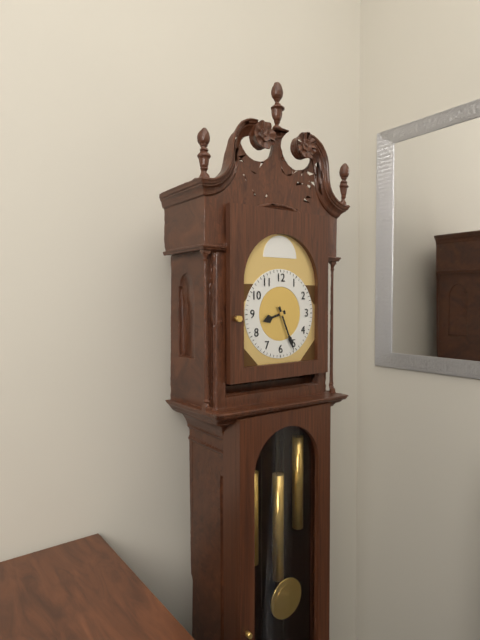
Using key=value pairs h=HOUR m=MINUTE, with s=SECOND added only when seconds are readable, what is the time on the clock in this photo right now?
h=8 m=26
